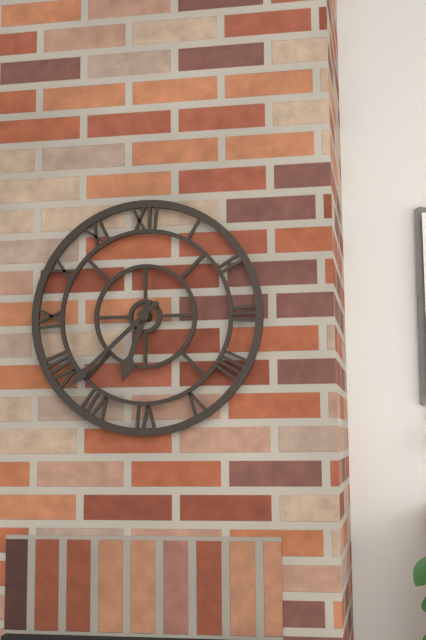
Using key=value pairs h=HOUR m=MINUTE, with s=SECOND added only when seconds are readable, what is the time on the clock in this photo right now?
h=6 m=38
